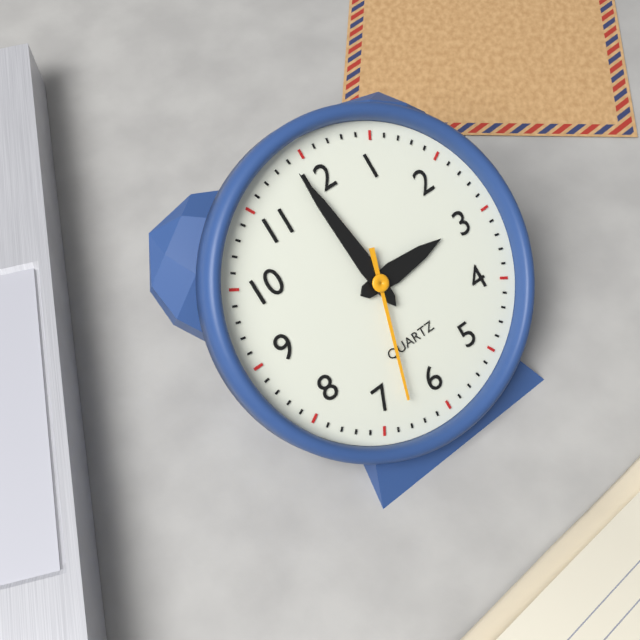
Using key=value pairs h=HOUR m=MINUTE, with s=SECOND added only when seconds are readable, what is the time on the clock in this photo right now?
h=2 m=59 s=33
